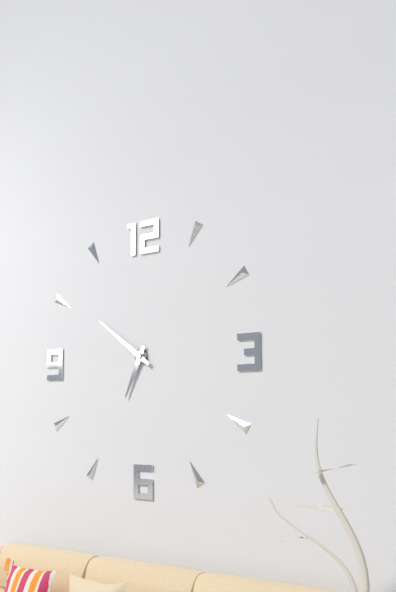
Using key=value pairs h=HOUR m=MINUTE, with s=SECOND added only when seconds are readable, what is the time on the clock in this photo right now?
h=6 m=51
